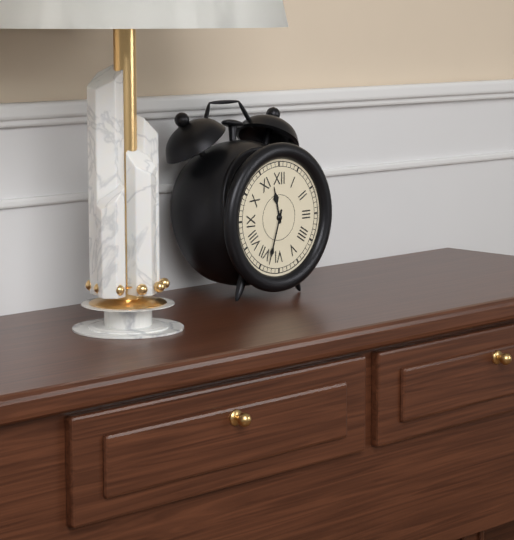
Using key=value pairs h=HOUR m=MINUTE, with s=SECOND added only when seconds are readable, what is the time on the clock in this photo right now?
h=11 m=33
